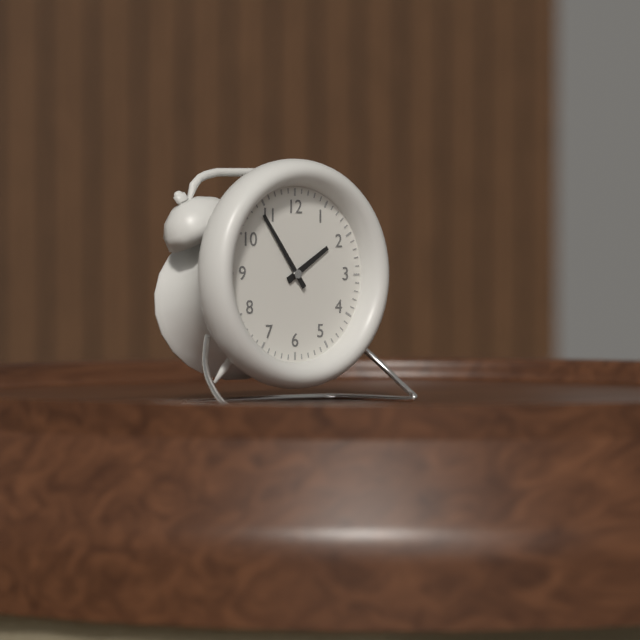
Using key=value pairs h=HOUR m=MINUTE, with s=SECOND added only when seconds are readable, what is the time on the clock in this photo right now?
h=1 m=54
